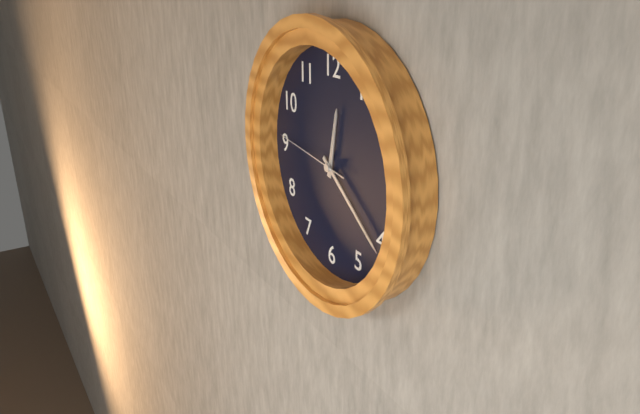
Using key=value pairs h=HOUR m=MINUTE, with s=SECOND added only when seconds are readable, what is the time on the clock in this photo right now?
h=12 m=21 s=46
